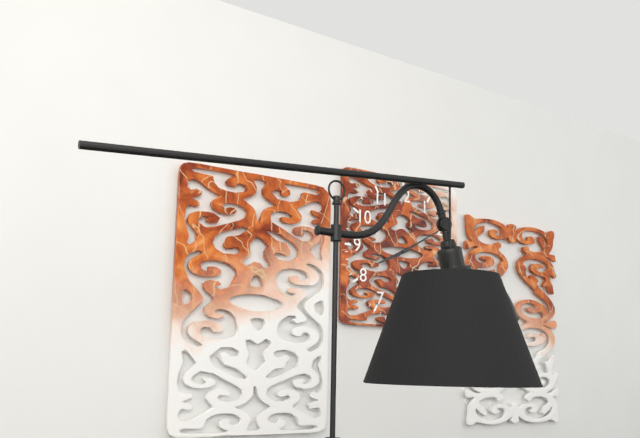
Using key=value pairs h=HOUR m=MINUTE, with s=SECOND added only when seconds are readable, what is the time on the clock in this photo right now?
h=8 m=10
